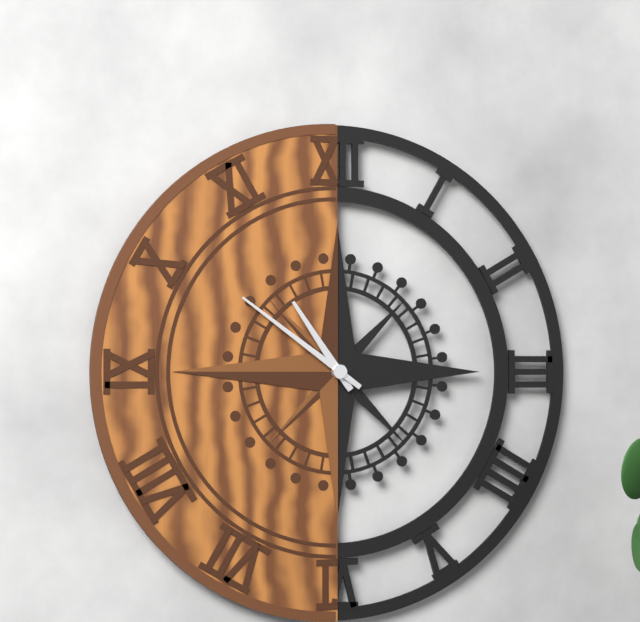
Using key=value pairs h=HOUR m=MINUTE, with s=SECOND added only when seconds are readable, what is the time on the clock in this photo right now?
h=10 m=51
